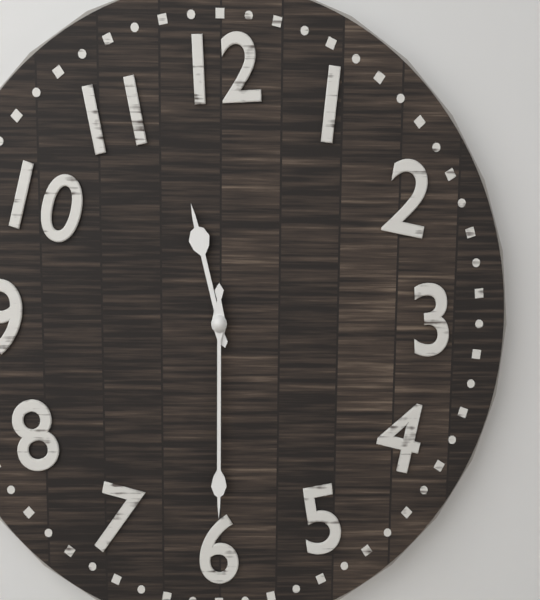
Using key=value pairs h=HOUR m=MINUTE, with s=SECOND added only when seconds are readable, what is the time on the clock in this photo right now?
h=11 m=30
